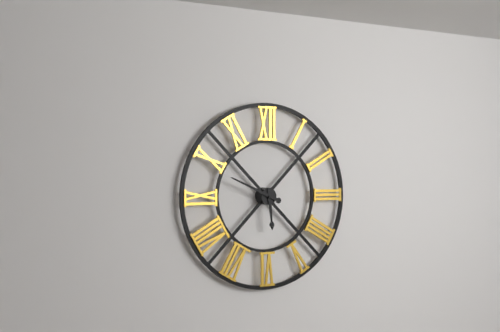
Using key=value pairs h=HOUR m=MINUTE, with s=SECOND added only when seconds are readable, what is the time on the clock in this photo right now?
h=5 m=49
